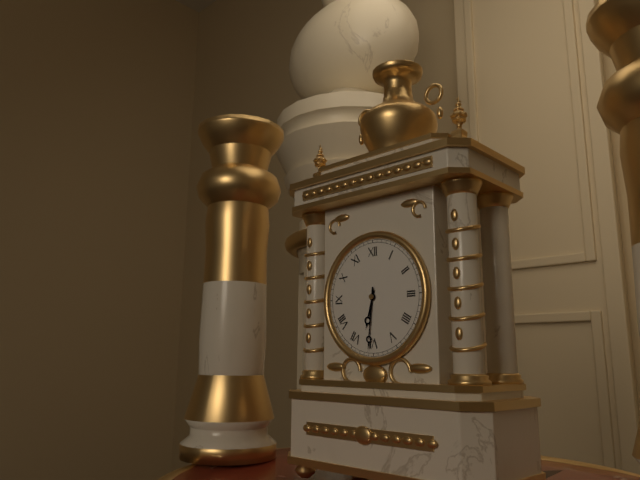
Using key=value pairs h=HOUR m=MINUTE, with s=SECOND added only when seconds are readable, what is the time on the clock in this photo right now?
h=6 m=31
